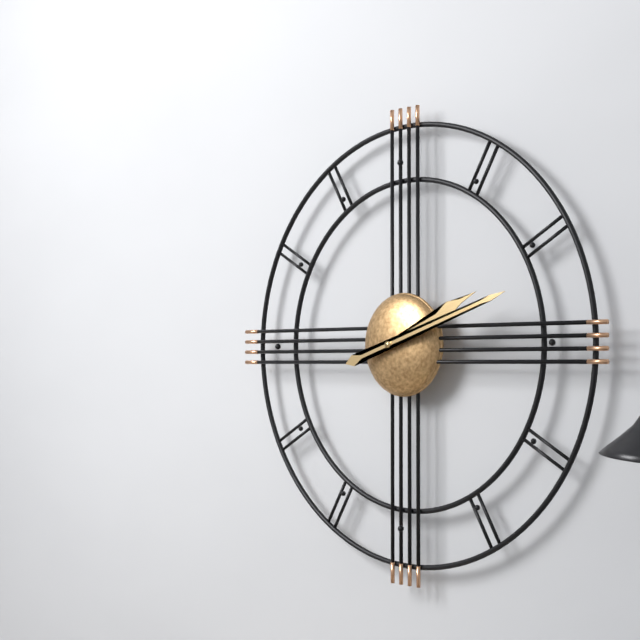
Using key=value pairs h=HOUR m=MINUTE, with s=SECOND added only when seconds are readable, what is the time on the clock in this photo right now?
h=2 m=12
